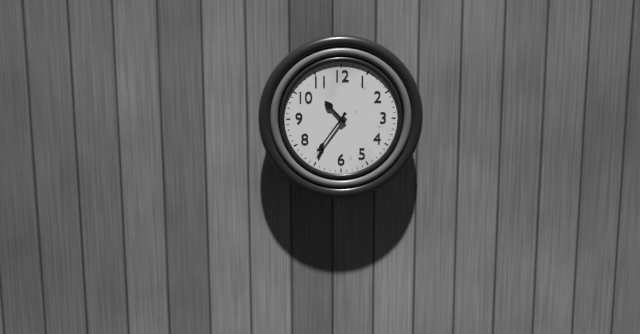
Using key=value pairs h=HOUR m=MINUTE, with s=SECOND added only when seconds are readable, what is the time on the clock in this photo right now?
h=10 m=36
